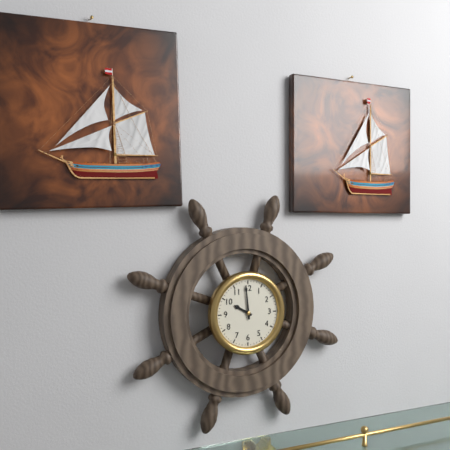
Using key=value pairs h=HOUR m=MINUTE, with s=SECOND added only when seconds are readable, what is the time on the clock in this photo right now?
h=9 m=59
